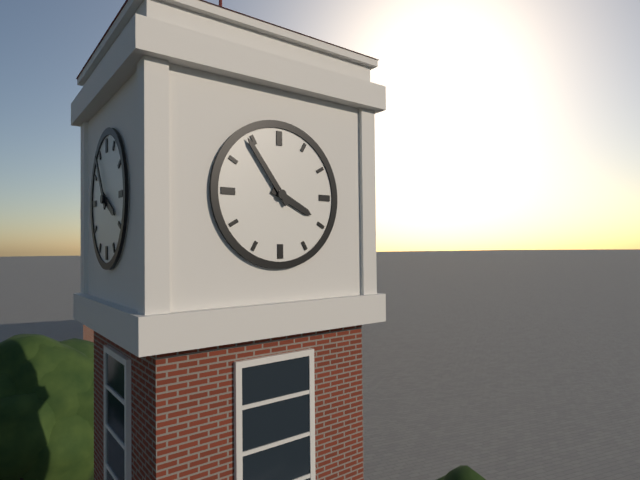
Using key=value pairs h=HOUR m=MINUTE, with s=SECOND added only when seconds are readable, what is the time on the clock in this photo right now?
h=3 m=54
